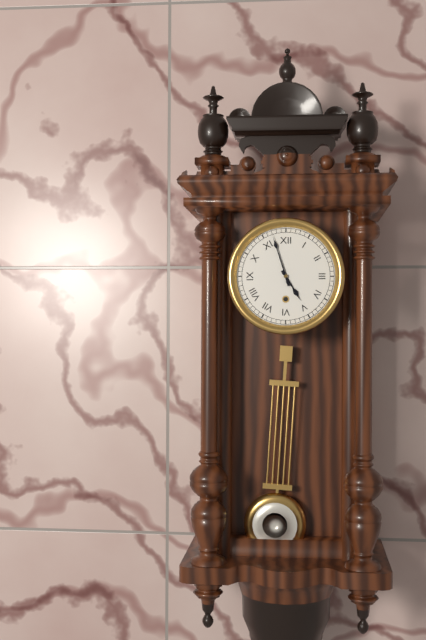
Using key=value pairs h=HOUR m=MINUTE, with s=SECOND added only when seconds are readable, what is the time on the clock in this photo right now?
h=4 m=57
